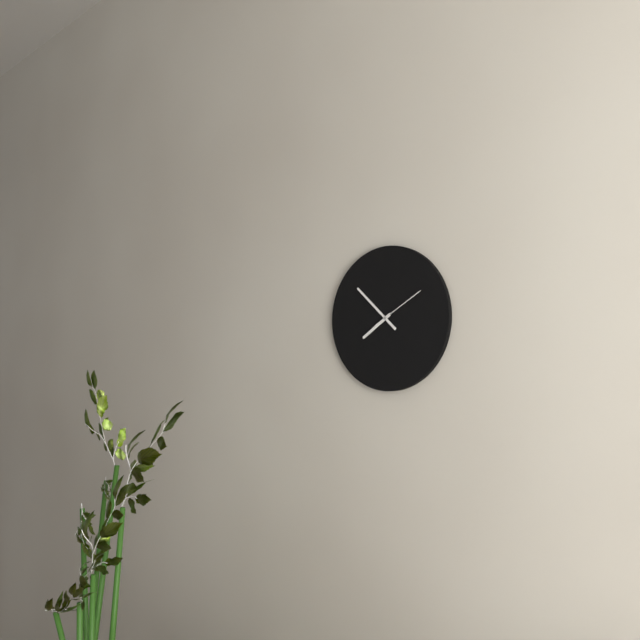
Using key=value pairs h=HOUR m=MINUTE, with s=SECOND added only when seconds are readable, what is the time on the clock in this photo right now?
h=7 m=52 s=10
